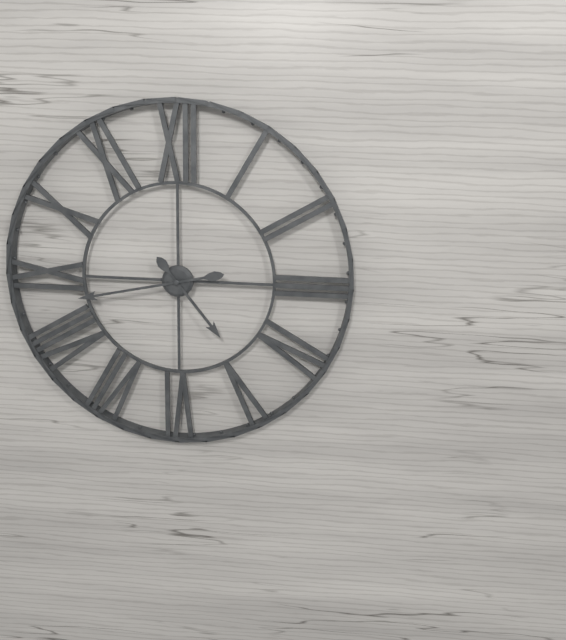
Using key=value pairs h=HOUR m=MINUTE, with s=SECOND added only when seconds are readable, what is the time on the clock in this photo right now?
h=4 m=43
